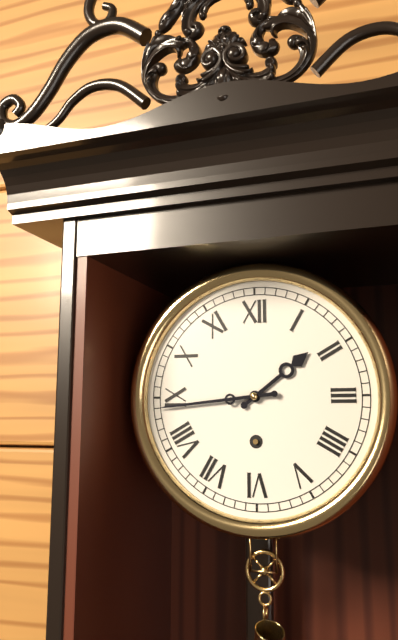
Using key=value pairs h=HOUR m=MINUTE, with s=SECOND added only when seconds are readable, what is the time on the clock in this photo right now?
h=1 m=44
